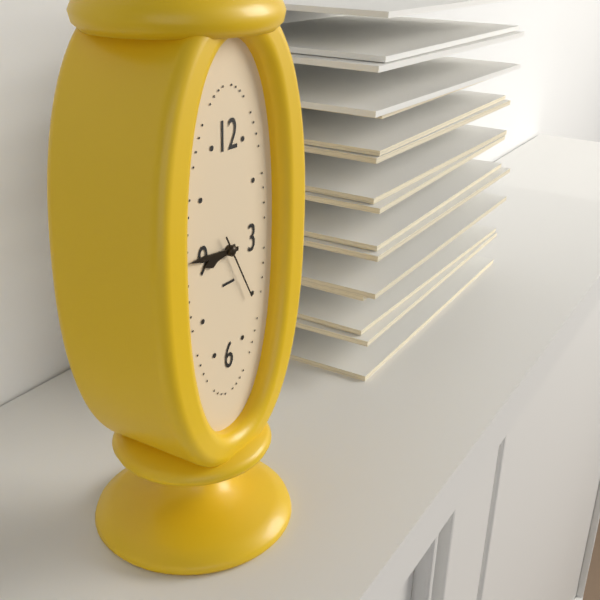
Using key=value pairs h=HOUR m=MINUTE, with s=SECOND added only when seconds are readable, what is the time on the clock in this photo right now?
h=8 m=46 s=25
